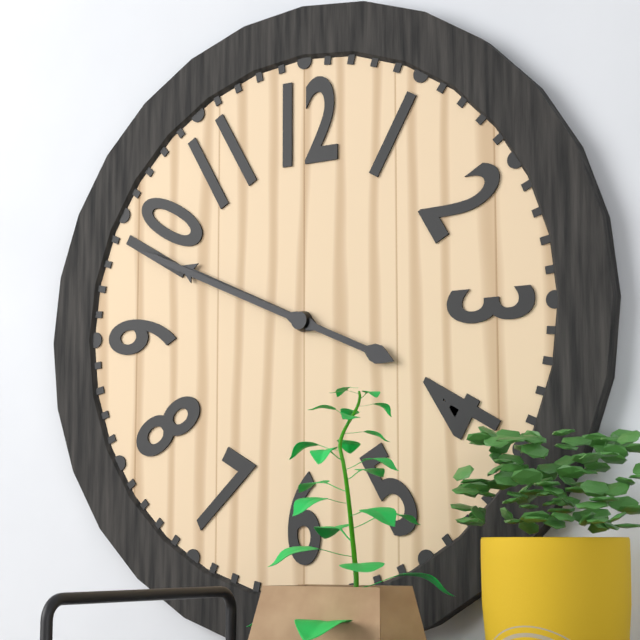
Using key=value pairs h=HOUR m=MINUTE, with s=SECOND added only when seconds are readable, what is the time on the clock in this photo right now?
h=9 m=49
